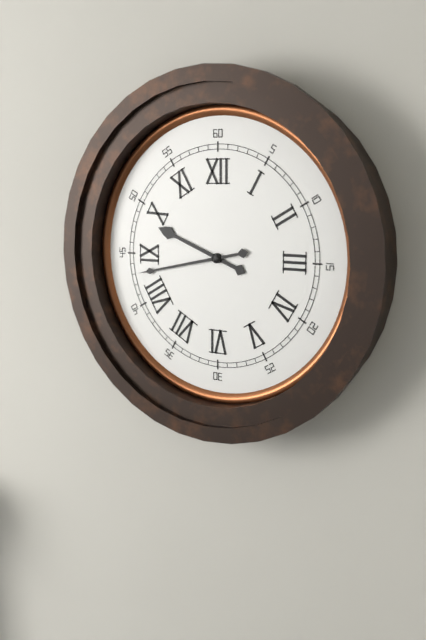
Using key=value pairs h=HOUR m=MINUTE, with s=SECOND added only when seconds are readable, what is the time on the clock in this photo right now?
h=9 m=43
